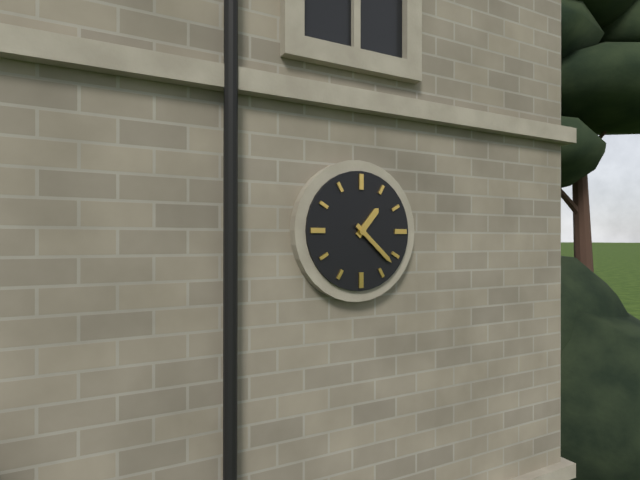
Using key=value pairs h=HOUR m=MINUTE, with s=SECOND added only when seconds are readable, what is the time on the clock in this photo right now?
h=1 m=22
